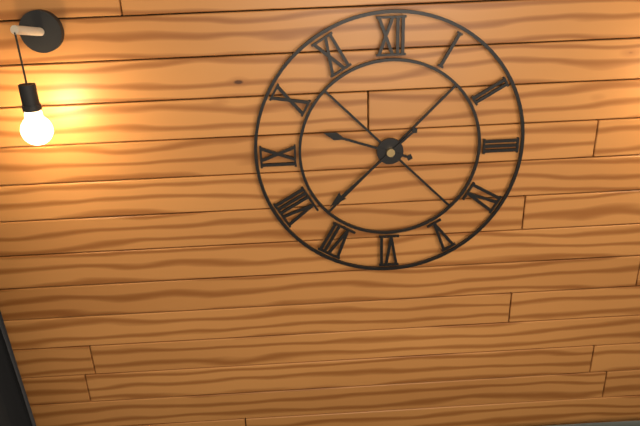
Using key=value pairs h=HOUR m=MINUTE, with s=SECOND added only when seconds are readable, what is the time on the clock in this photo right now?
h=9 m=38
